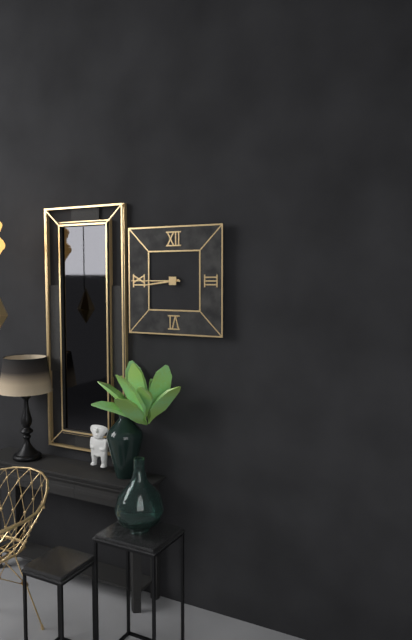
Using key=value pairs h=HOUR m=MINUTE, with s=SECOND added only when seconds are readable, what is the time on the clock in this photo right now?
h=8 m=45
